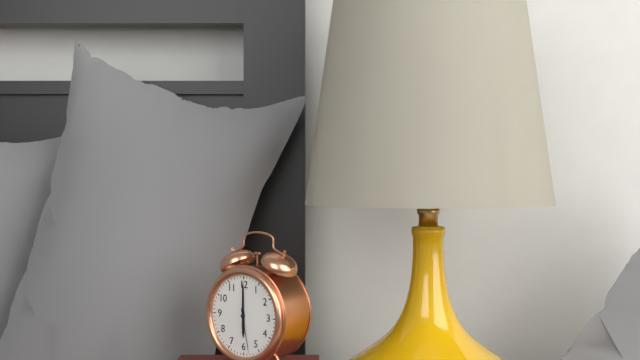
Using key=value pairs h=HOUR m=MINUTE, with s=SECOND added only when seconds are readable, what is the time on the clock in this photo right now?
h=6 m=0
